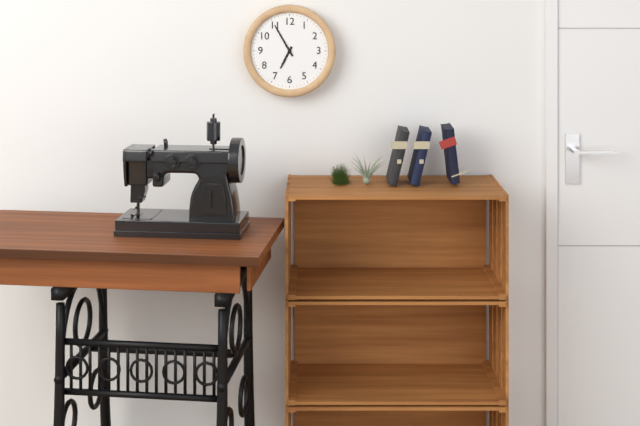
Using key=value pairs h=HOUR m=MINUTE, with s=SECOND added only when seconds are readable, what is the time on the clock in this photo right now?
h=6 m=55
